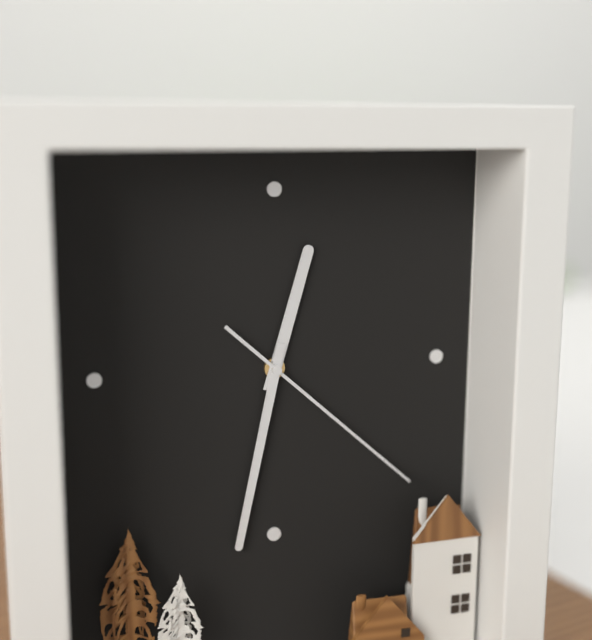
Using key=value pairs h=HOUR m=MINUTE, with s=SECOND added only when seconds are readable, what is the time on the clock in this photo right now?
h=12 m=32 s=22
